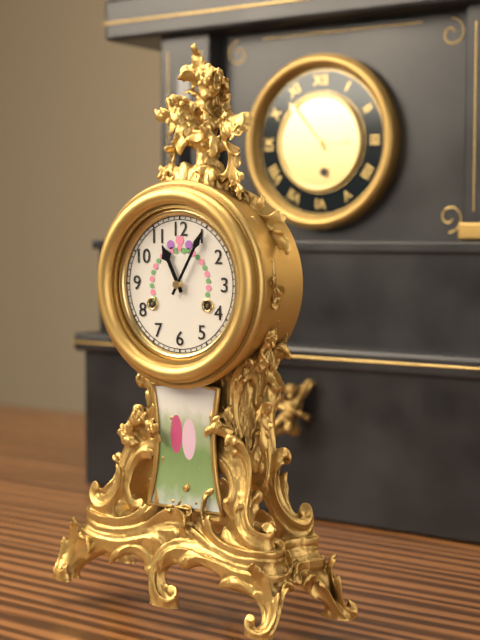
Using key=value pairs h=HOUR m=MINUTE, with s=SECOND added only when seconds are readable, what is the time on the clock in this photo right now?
h=11 m=5
